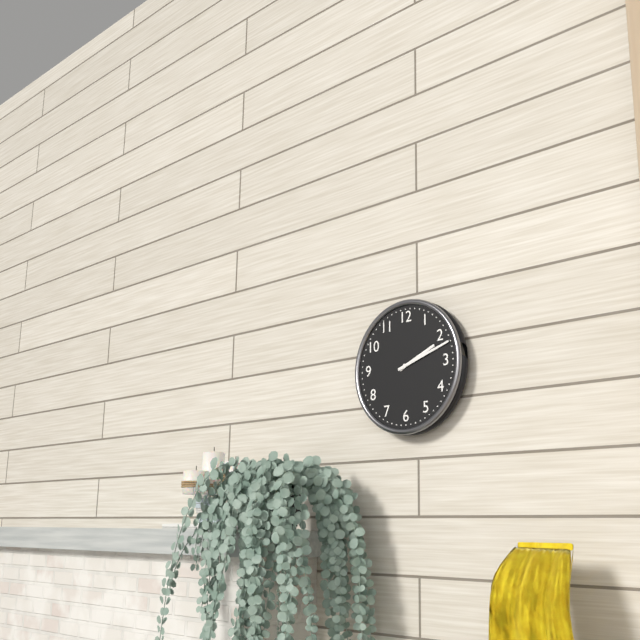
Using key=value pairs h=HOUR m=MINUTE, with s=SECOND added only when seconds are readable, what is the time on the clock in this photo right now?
h=2 m=12
